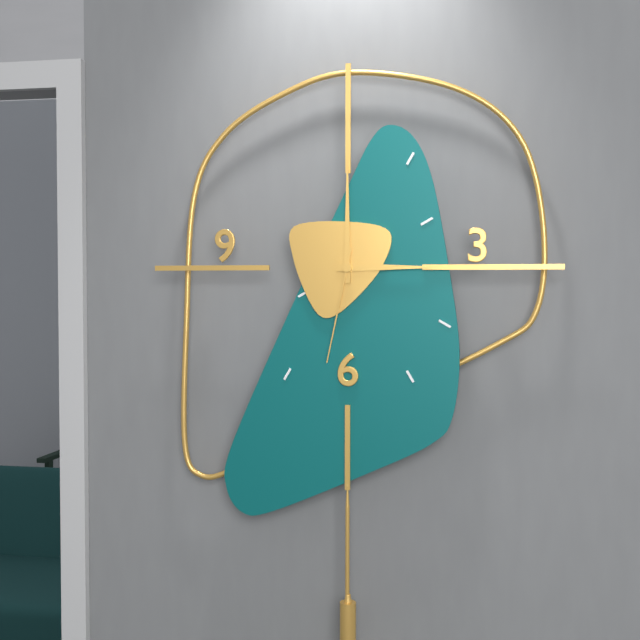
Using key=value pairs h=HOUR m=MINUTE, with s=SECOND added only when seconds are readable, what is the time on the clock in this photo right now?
h=3 m=0 s=32
